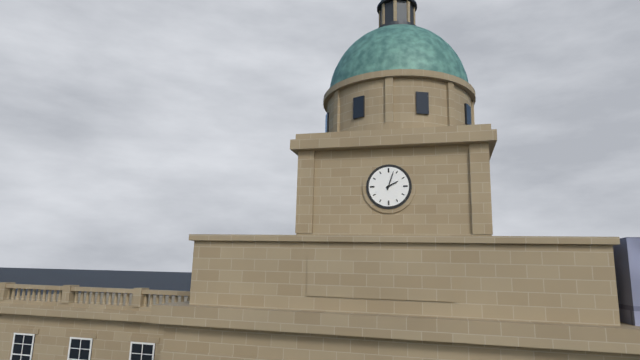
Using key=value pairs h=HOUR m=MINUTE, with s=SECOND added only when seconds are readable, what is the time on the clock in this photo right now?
h=2 m=3
